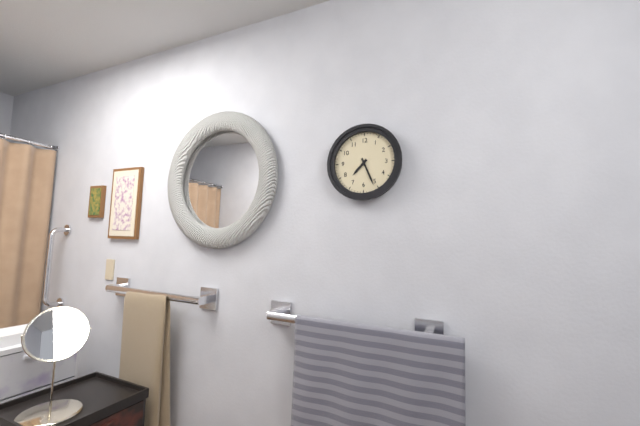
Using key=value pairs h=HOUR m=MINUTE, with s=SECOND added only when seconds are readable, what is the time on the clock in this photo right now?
h=7 m=26
